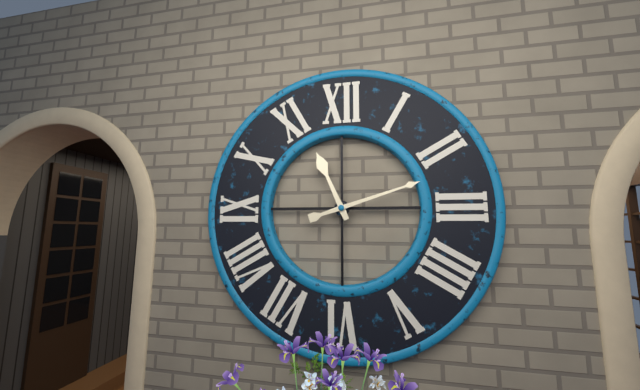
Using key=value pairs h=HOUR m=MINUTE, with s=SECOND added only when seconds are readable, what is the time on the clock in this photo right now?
h=11 m=12
